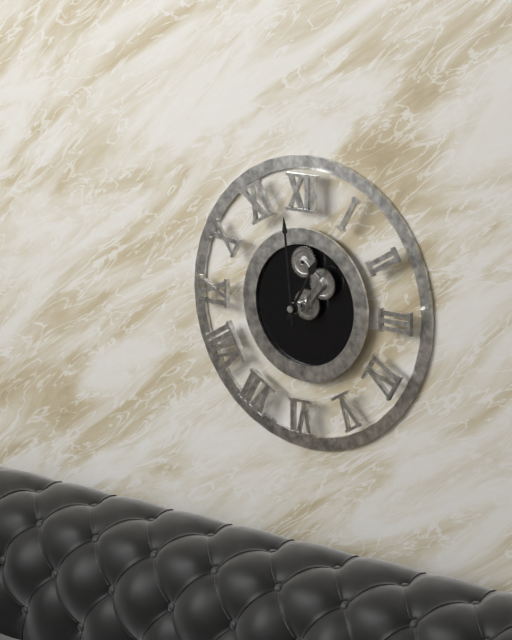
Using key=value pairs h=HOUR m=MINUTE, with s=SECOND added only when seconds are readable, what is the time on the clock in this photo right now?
h=12 m=59
